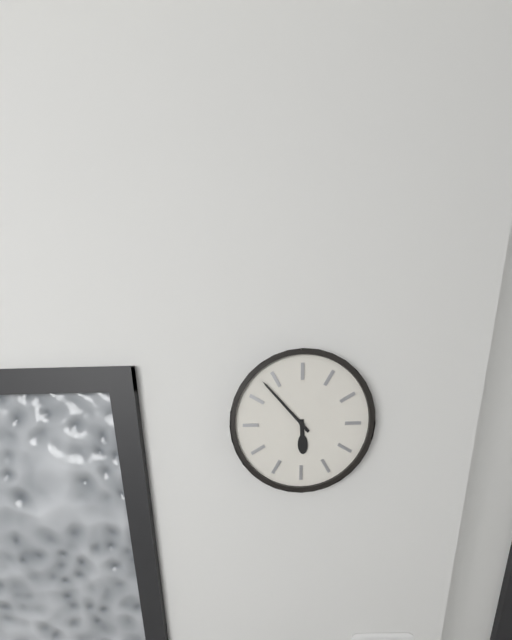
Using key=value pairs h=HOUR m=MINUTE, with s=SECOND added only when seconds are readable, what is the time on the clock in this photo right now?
h=5 m=53
